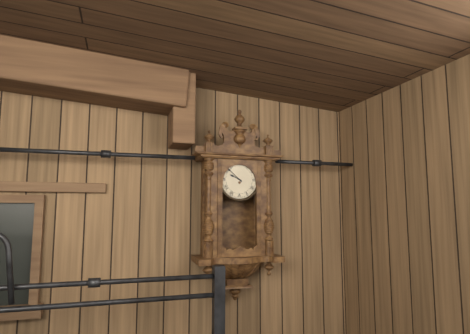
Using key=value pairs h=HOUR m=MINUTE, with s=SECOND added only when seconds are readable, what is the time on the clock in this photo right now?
h=9 m=52
